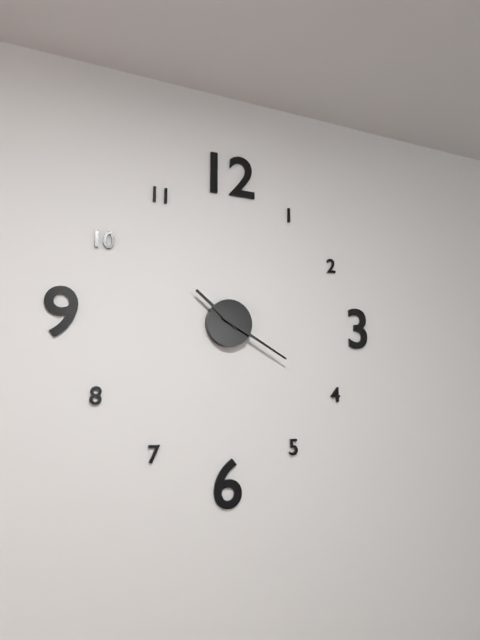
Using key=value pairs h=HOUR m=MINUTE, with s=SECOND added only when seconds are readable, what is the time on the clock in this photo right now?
h=10 m=20
